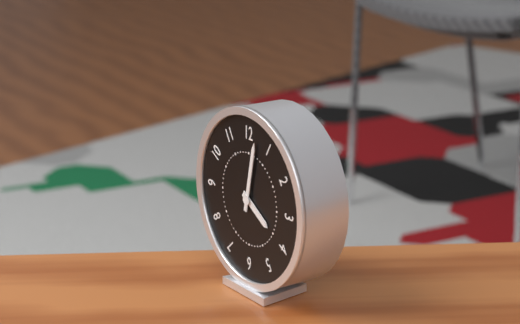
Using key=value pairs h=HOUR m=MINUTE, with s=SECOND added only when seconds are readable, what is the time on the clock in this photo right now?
h=4 m=2
